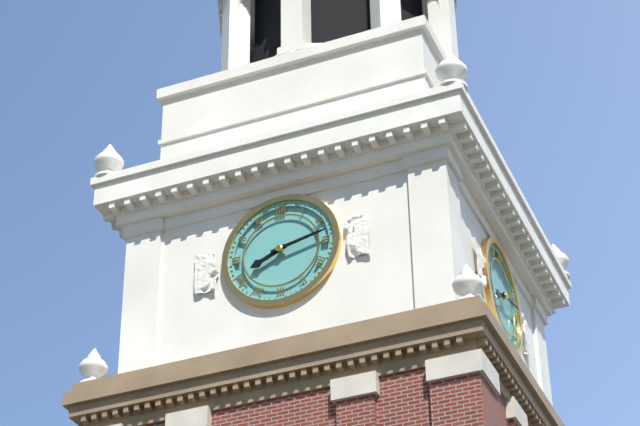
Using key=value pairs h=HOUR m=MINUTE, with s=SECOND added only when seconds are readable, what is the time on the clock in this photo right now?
h=8 m=13
